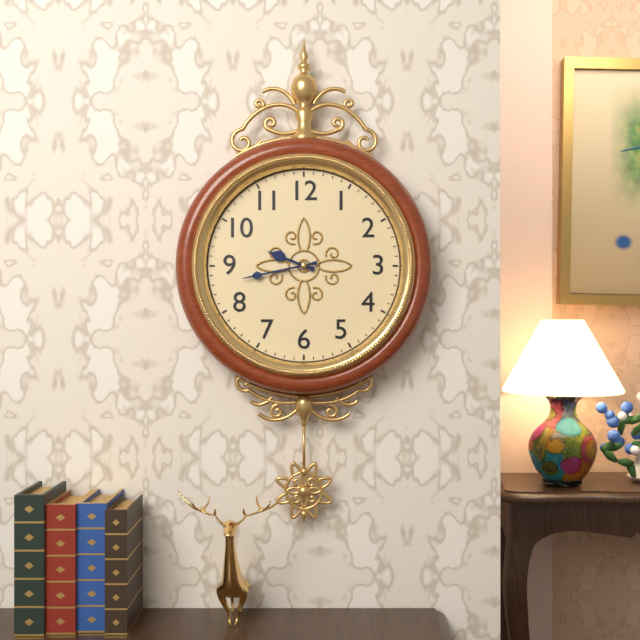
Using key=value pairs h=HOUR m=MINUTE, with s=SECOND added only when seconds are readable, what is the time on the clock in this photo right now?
h=9 m=43
